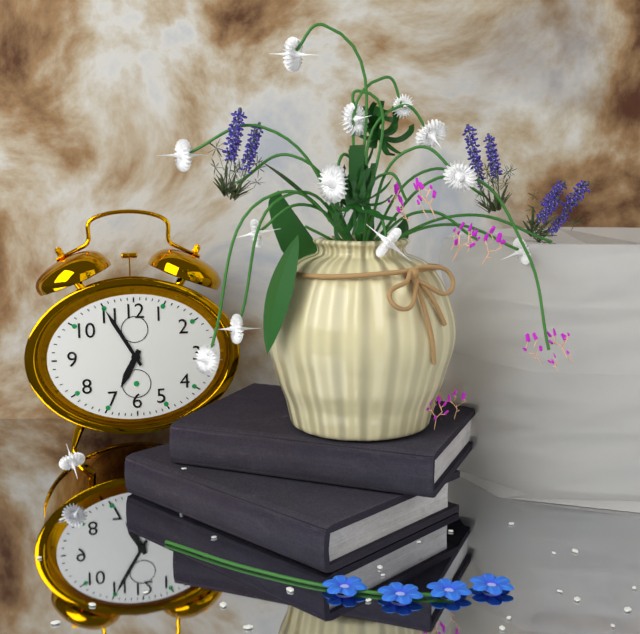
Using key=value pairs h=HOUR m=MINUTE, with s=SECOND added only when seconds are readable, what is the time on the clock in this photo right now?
h=6 m=55
